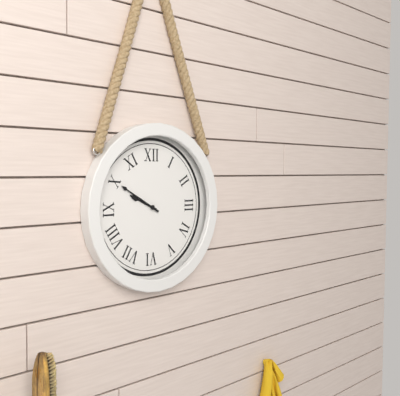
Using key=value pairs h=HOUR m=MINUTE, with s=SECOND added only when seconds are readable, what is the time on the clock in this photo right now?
h=9 m=50
